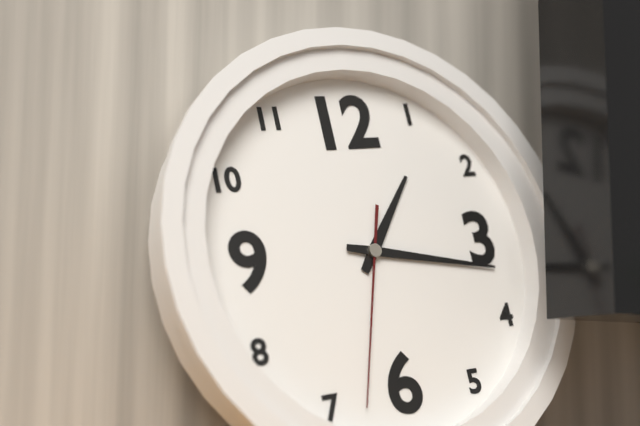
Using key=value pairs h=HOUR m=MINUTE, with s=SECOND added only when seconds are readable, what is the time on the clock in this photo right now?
h=1 m=17 s=33
